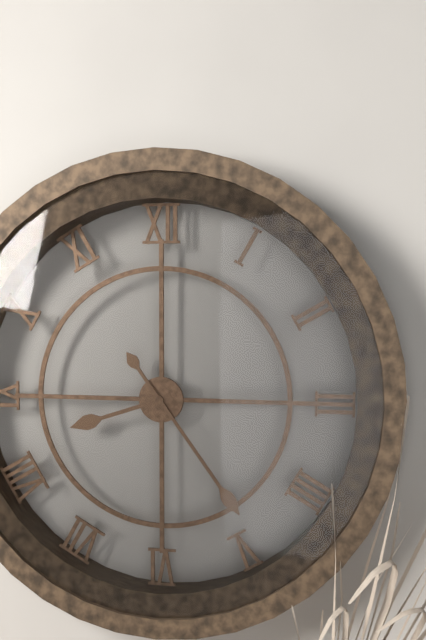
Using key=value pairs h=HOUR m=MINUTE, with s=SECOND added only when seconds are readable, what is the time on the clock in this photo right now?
h=8 m=24
